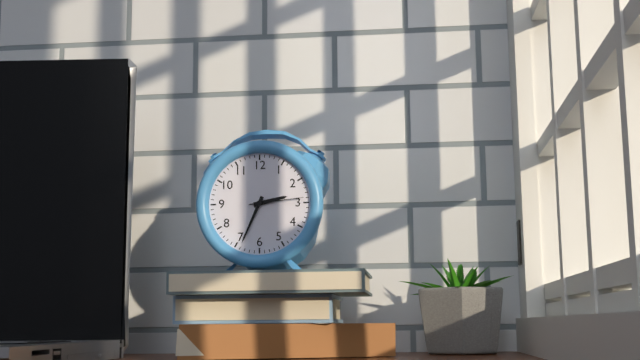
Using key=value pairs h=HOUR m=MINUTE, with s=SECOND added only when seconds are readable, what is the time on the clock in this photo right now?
h=2 m=34 s=14
